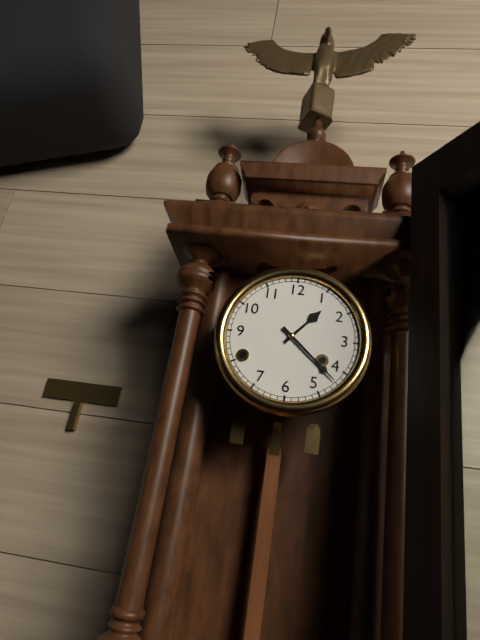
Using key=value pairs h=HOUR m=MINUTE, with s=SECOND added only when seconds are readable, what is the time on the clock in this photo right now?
h=1 m=22
